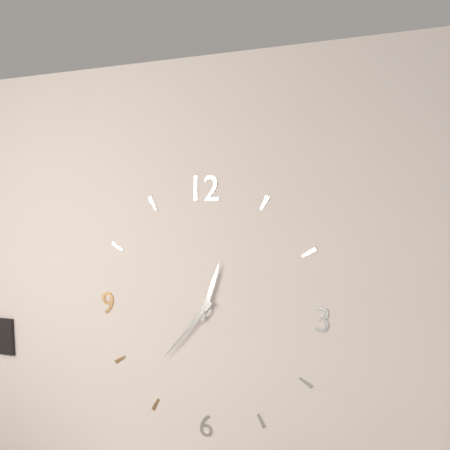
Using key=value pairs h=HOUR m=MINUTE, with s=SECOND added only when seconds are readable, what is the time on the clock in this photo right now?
h=12 m=37
